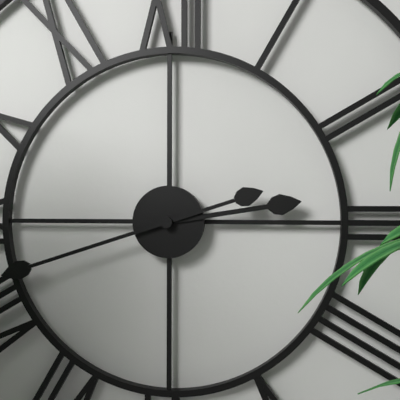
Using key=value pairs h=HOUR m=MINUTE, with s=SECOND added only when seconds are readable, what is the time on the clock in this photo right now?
h=2 m=42
